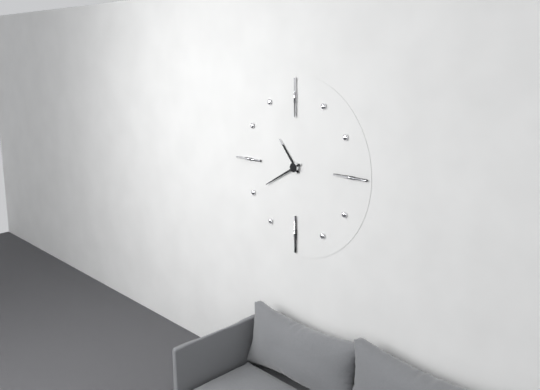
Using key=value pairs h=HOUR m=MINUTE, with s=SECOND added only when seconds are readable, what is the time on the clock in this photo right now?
h=10 m=40
